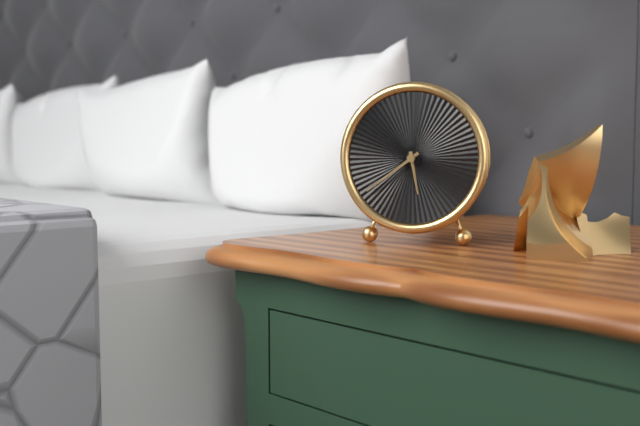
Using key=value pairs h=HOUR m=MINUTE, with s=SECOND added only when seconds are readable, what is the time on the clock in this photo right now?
h=5 m=39
